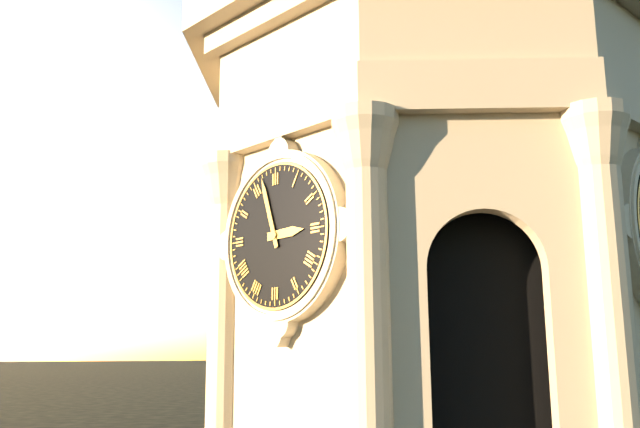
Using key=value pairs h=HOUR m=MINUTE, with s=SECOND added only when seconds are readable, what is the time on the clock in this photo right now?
h=2 m=57
